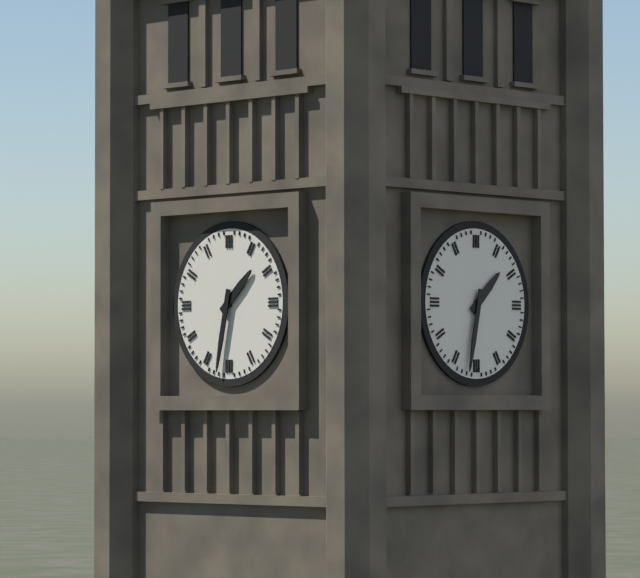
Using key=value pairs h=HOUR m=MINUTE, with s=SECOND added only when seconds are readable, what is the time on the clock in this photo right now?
h=1 m=32
